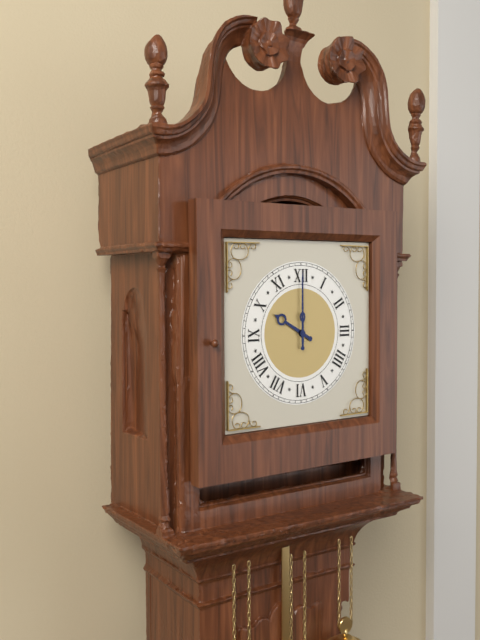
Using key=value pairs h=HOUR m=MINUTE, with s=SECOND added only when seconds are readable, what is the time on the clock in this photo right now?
h=10 m=0
